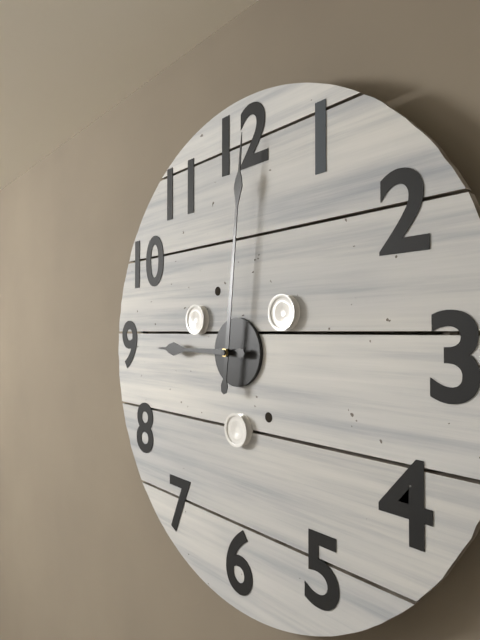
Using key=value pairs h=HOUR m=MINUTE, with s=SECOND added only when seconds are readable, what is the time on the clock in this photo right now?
h=9 m=1
